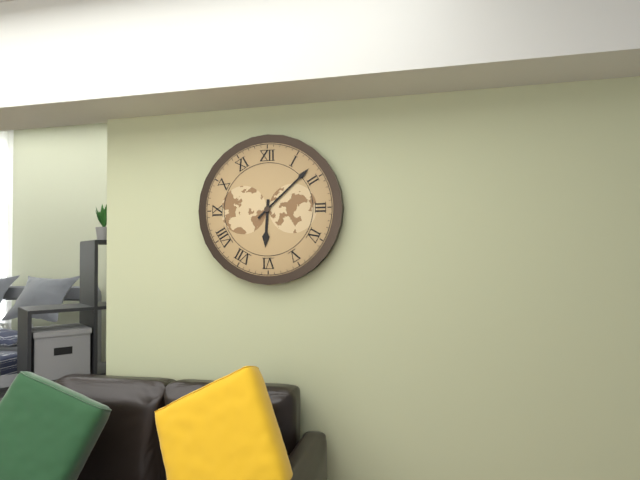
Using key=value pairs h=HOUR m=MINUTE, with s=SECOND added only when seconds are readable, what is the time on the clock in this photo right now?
h=6 m=8
